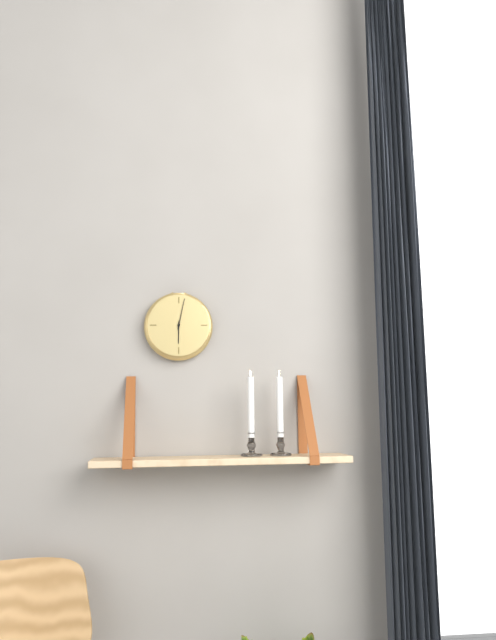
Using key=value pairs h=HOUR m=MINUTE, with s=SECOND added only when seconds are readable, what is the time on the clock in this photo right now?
h=6 m=2
